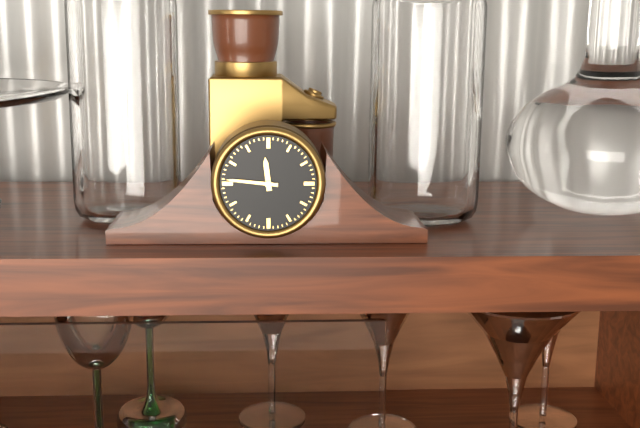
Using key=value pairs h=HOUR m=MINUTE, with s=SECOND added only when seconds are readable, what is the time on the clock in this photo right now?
h=11 m=46
